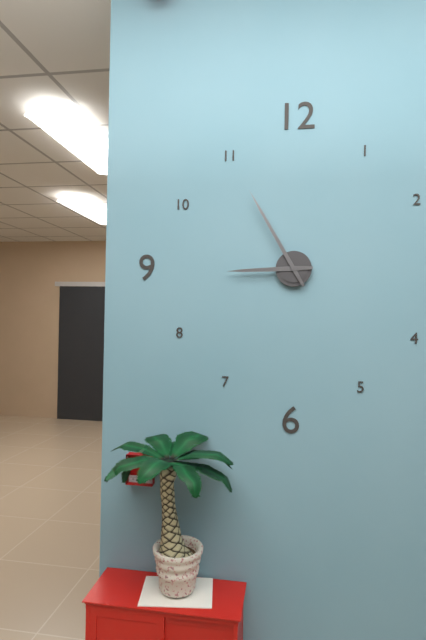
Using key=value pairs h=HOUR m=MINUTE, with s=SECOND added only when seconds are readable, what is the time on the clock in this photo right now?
h=8 m=55
